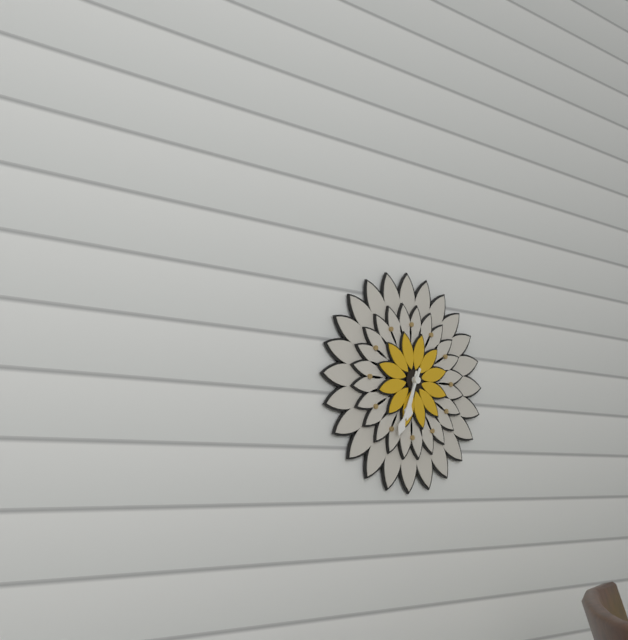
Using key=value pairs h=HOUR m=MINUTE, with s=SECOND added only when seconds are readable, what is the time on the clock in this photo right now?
h=6 m=34
